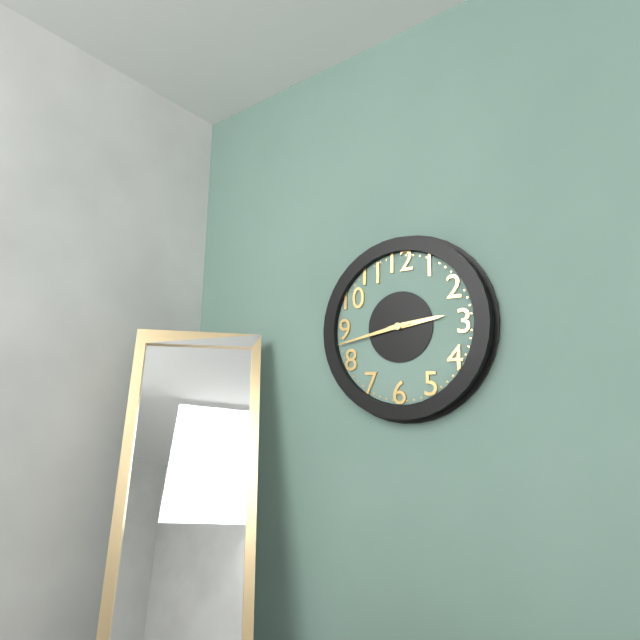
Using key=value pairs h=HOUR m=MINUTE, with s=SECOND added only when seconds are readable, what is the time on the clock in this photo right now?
h=2 m=43
